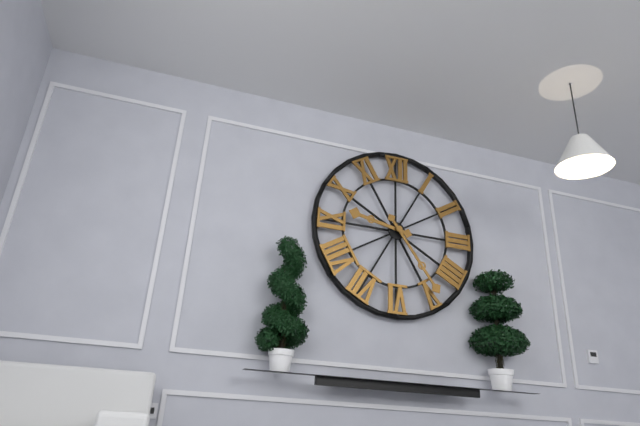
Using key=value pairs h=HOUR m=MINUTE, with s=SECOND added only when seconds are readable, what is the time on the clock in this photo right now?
h=9 m=24
